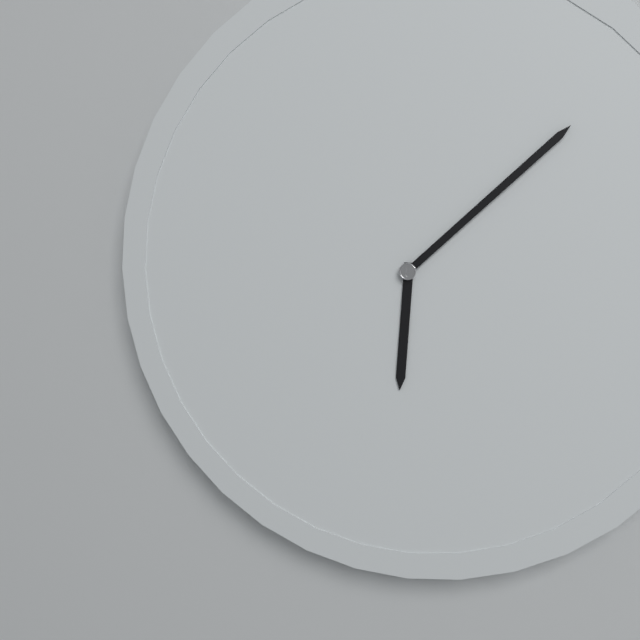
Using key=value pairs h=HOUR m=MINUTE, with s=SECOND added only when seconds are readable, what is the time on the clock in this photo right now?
h=6 m=8
